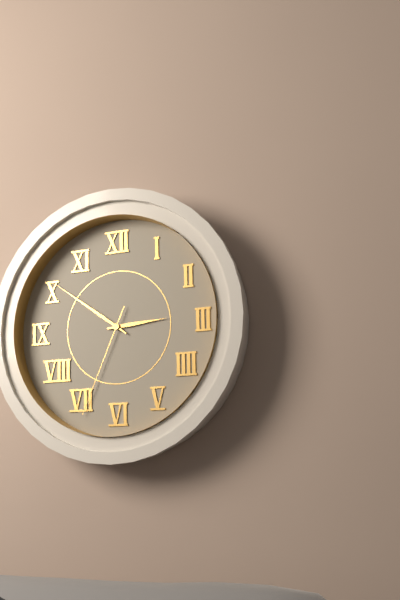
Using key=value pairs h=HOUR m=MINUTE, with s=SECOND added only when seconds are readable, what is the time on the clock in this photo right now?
h=2 m=51 s=34
